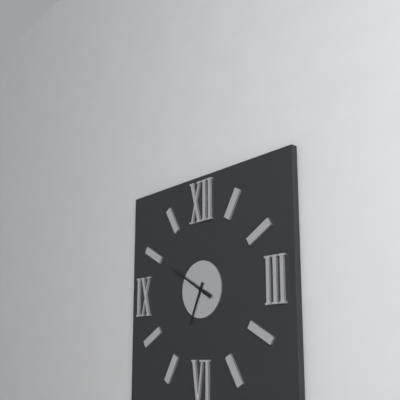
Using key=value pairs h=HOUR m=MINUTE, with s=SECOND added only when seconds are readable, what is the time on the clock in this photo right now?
h=6 m=50
